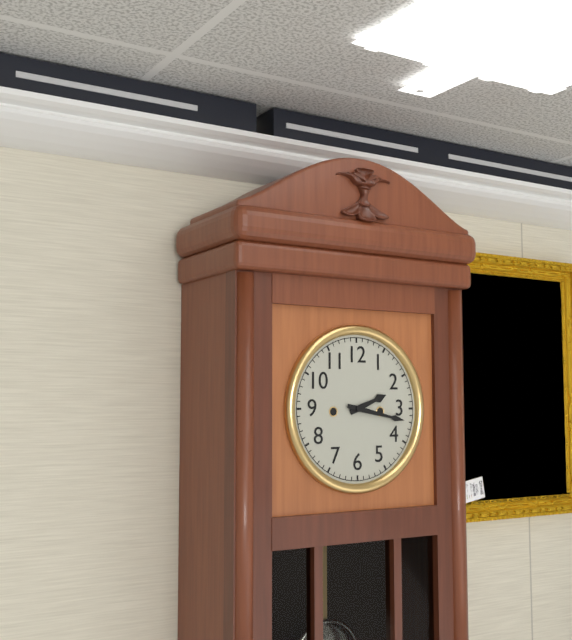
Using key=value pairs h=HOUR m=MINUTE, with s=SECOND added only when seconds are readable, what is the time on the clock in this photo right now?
h=2 m=17
